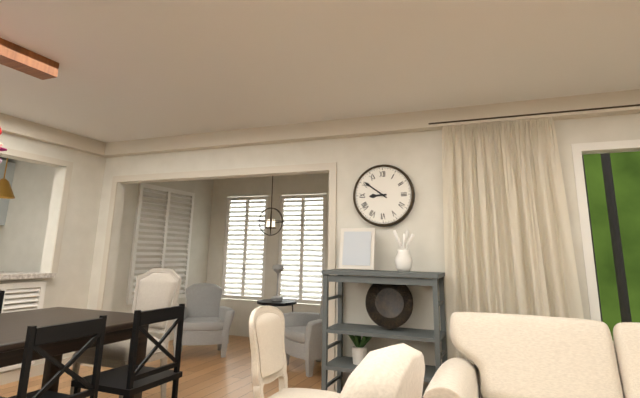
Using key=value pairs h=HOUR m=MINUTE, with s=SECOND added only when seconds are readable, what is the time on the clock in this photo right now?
h=8 m=51
